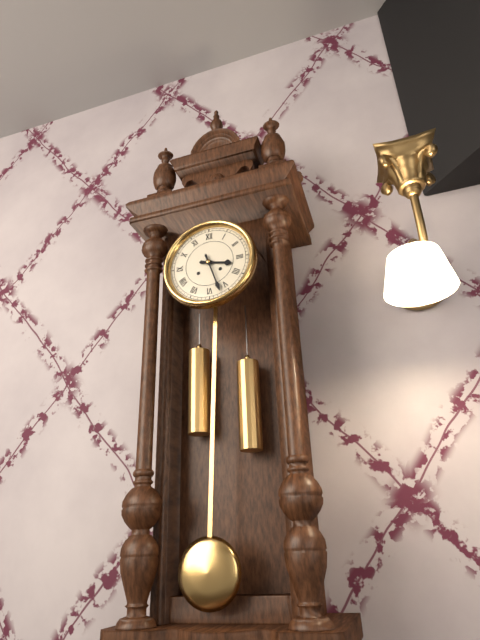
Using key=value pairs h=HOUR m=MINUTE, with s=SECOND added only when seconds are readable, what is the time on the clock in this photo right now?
h=3 m=27
